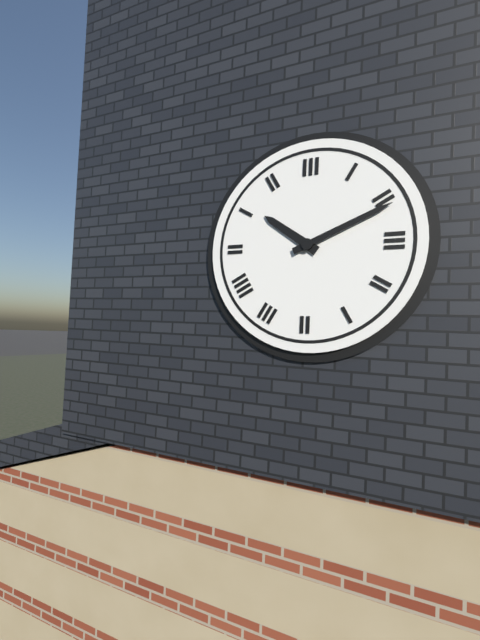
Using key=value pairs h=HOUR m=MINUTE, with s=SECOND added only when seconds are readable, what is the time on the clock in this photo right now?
h=10 m=11
